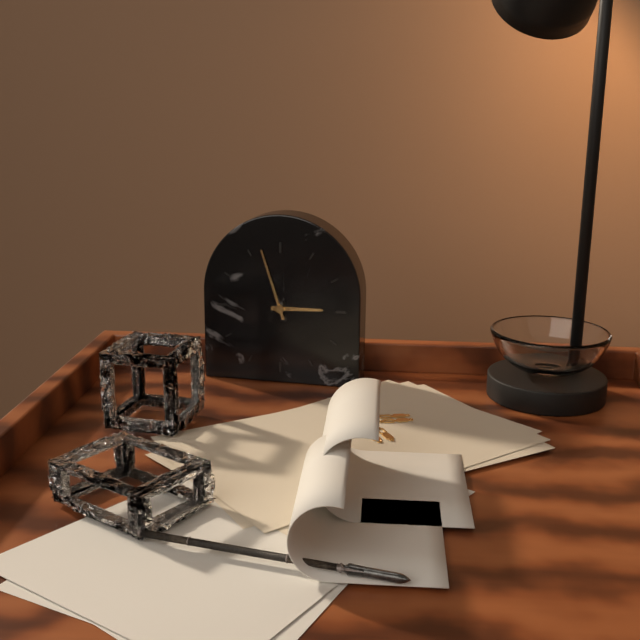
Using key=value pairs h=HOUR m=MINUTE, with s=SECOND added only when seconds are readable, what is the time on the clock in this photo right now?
h=2 m=57
